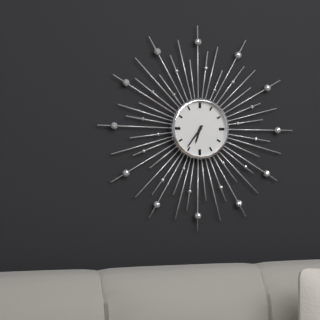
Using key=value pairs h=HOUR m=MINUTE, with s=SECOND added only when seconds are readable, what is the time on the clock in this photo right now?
h=6 m=36
